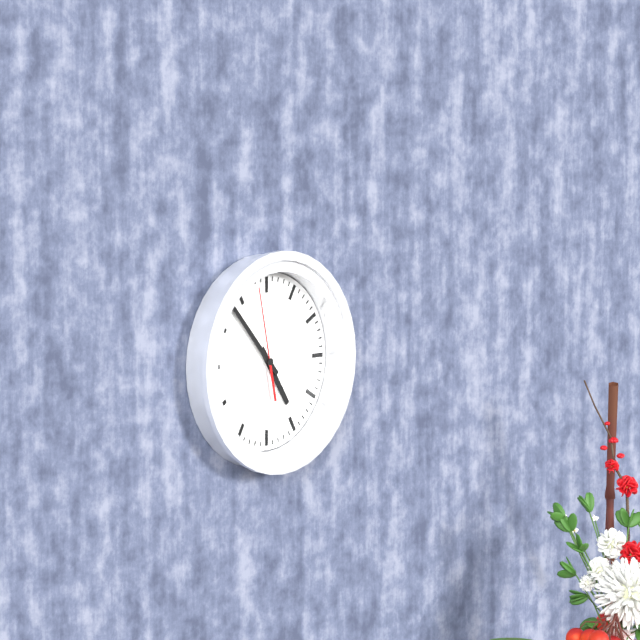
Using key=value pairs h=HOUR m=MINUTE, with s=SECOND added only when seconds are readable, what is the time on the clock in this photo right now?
h=4 m=53 s=58
